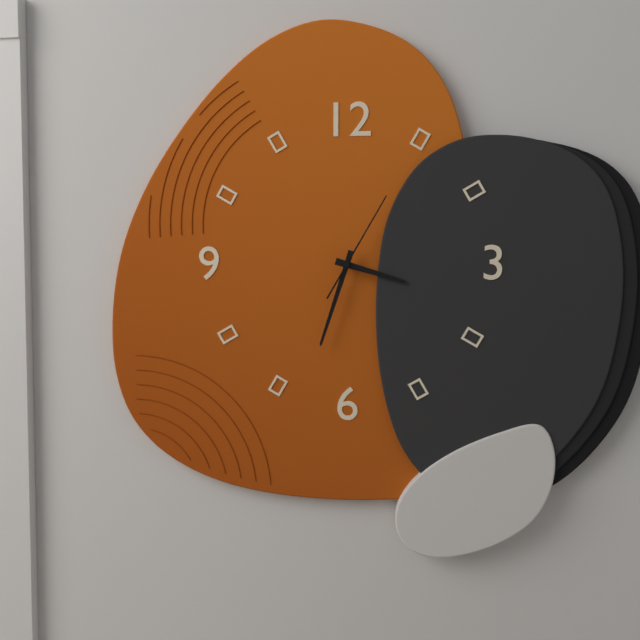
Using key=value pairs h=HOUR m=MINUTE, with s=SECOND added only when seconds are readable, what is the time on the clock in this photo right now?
h=3 m=33 s=5
